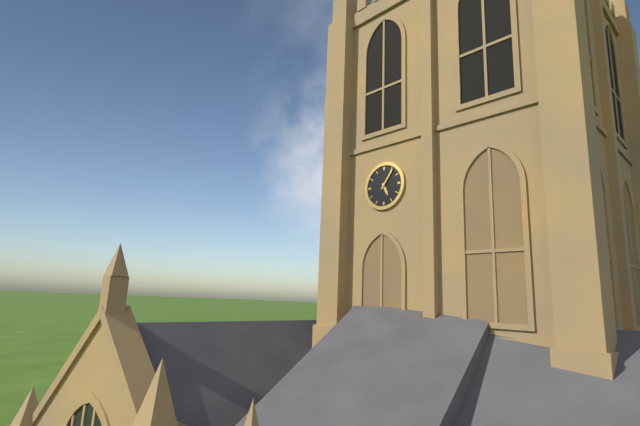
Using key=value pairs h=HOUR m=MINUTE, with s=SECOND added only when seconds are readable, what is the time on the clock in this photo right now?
h=5 m=6
